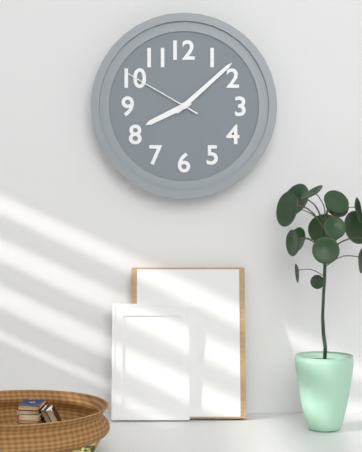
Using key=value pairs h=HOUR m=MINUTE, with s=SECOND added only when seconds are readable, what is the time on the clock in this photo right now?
h=8 m=8 s=50
